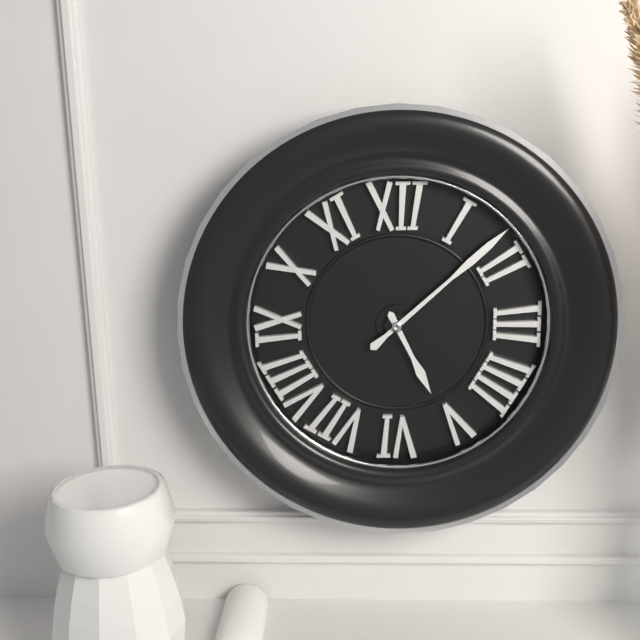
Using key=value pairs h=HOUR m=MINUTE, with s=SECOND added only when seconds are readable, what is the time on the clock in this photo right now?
h=5 m=8
